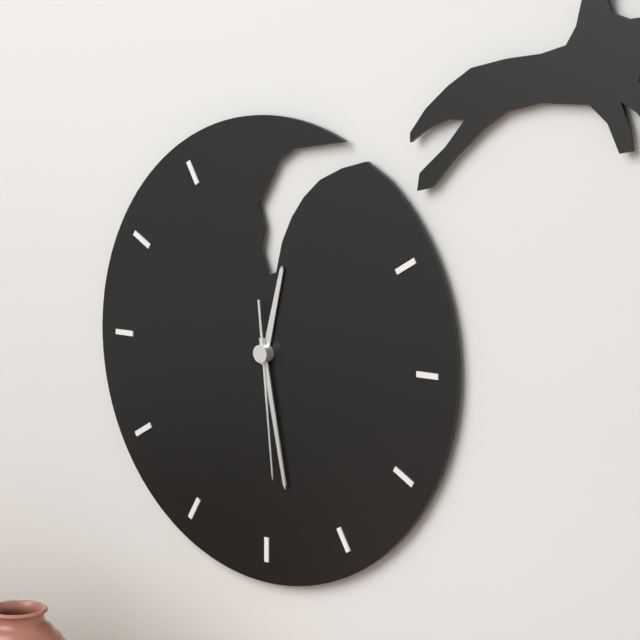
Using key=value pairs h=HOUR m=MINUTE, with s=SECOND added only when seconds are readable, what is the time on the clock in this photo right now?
h=12 m=28 s=29
